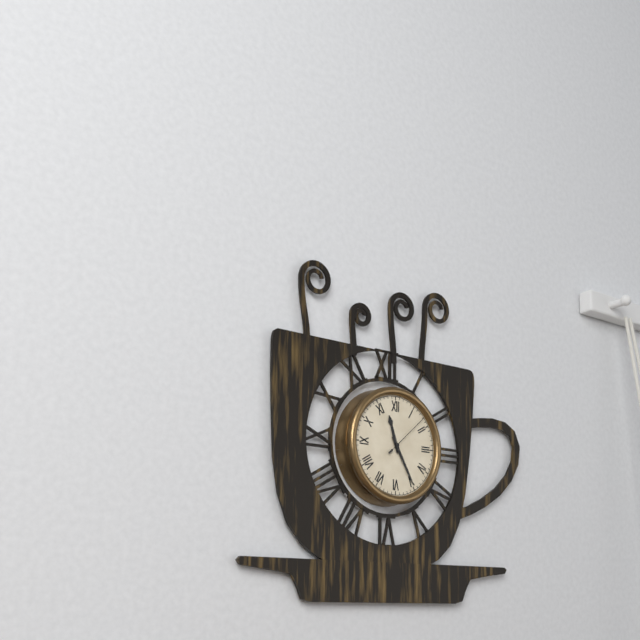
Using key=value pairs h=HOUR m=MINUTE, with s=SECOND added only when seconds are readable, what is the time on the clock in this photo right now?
h=11 m=25
